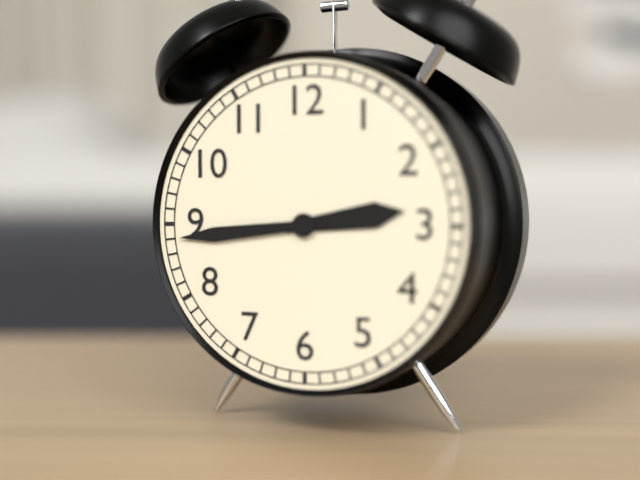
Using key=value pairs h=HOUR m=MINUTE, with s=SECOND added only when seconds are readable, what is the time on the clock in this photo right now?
h=2 m=44
